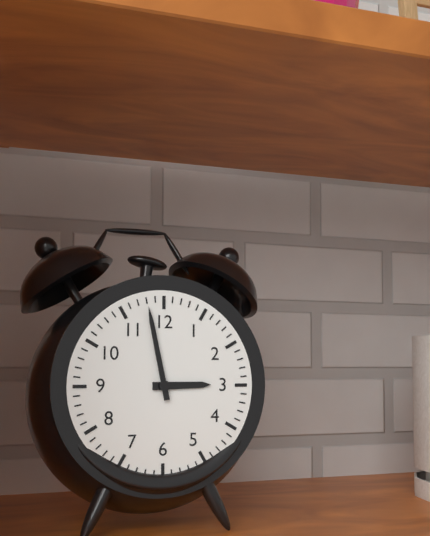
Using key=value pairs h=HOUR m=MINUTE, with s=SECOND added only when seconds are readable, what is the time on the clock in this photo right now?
h=2 m=58
